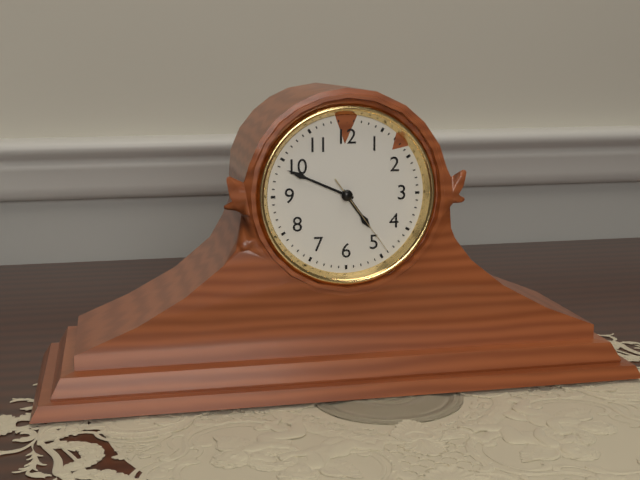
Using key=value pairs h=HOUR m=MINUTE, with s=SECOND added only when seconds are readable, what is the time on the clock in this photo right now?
h=4 m=49 s=24
